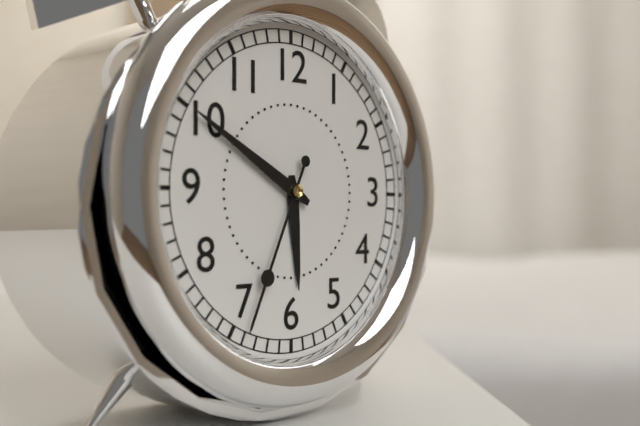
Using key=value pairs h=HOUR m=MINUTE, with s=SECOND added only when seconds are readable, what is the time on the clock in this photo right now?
h=5 m=50 s=34
